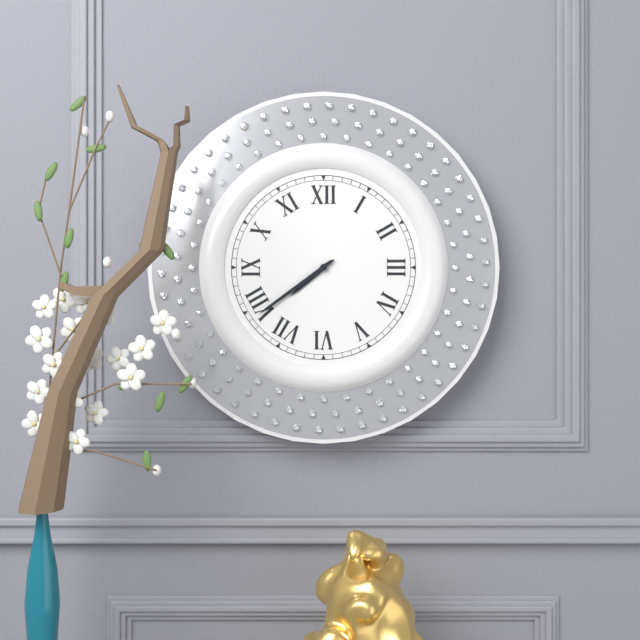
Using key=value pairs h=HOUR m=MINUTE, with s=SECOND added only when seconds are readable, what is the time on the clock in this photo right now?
h=7 m=39
